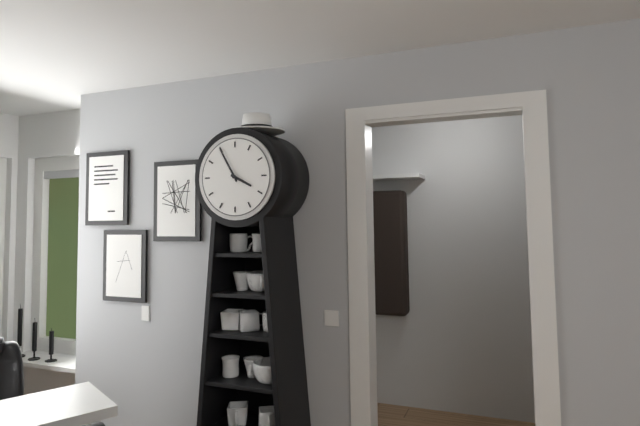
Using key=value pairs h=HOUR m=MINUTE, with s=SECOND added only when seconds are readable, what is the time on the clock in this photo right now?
h=3 m=55
